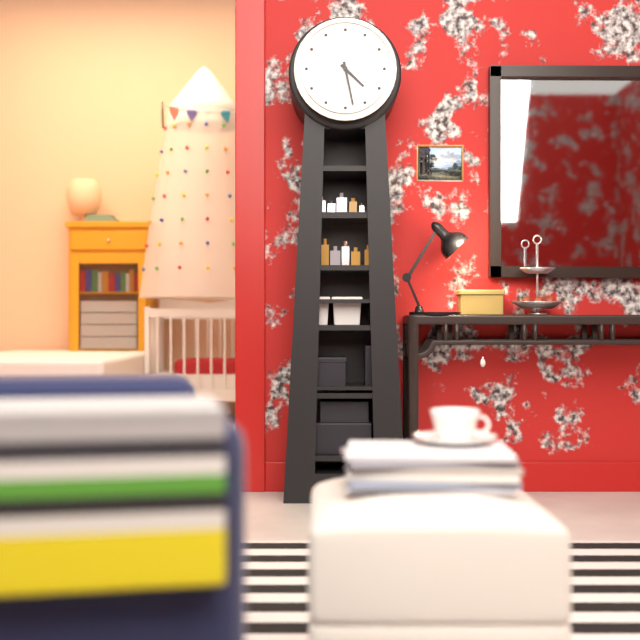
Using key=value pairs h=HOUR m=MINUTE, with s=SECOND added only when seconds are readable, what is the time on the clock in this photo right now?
h=4 m=28
